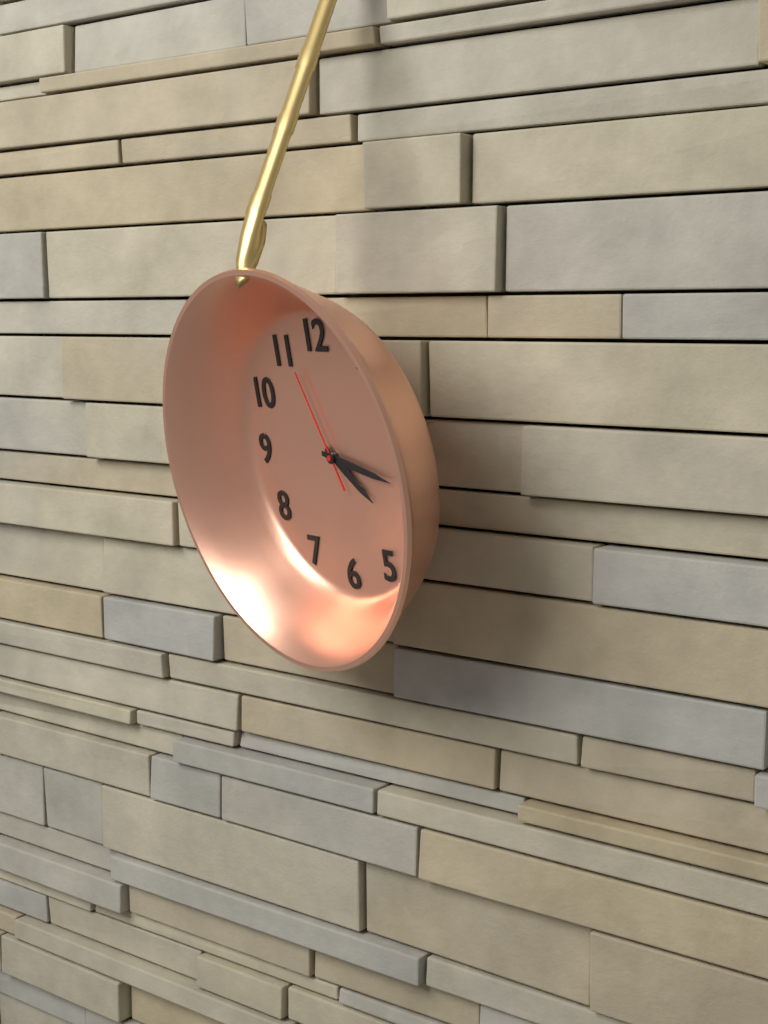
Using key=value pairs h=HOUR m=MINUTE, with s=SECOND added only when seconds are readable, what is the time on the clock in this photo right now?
h=4 m=17 s=56
